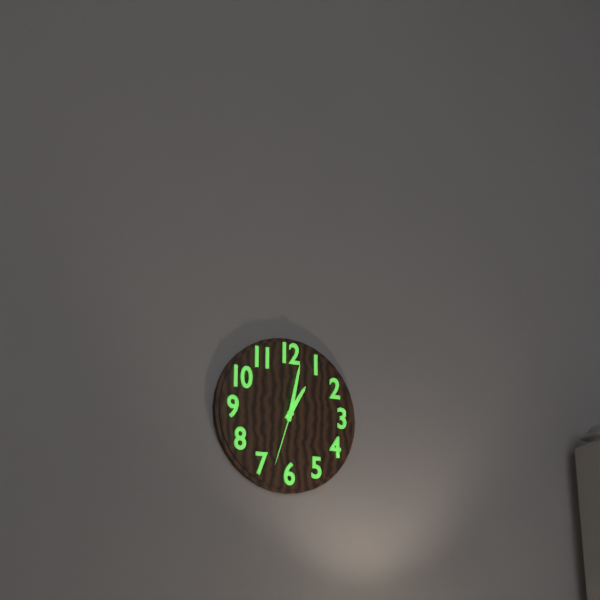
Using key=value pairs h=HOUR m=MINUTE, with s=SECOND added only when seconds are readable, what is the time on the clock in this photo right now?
h=1 m=2 s=33
